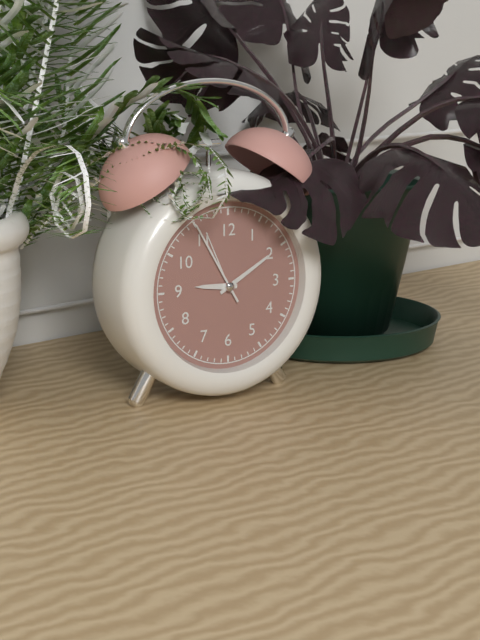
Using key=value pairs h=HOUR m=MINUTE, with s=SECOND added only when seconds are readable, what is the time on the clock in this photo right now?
h=9 m=10 s=55
